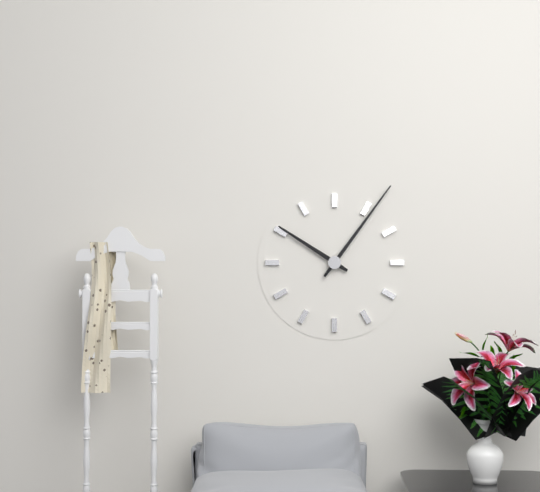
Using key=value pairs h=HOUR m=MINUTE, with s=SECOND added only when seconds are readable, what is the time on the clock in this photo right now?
h=10 m=6
